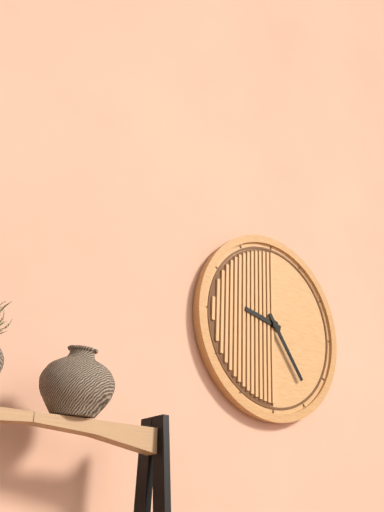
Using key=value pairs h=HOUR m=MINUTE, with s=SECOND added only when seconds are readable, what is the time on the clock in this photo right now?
h=9 m=24
